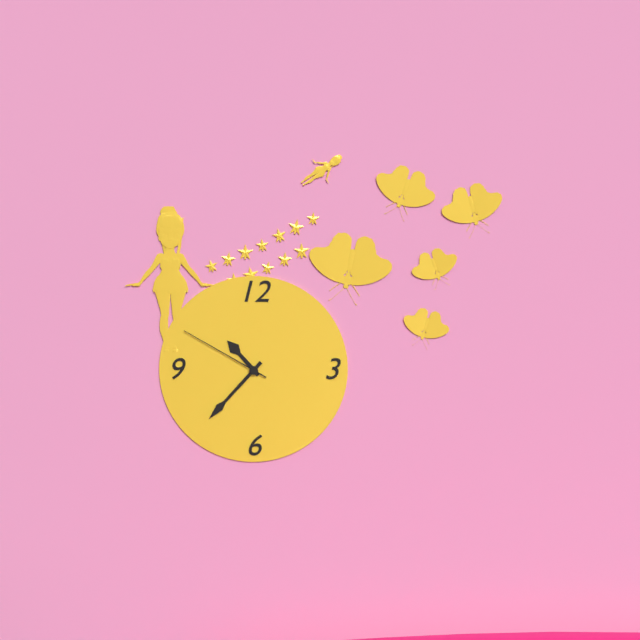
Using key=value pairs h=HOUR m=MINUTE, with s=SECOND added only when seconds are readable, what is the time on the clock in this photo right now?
h=10 m=37 s=50
